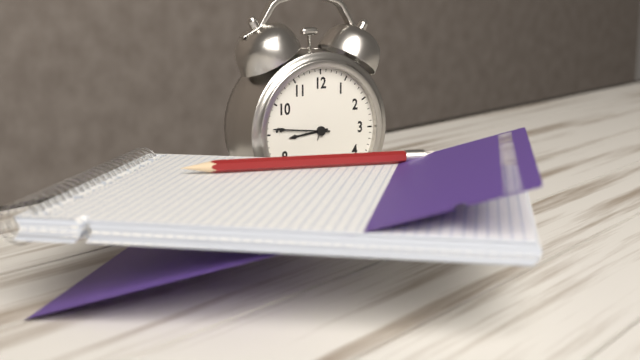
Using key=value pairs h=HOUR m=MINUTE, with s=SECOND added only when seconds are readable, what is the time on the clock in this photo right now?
h=8 m=46
